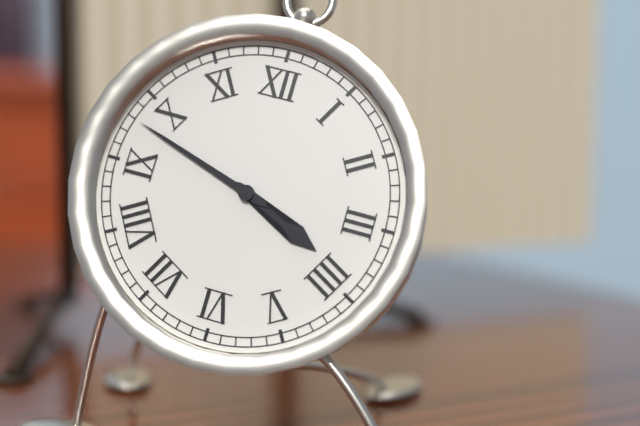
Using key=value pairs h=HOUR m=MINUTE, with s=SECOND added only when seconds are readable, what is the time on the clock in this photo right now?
h=3 m=48
